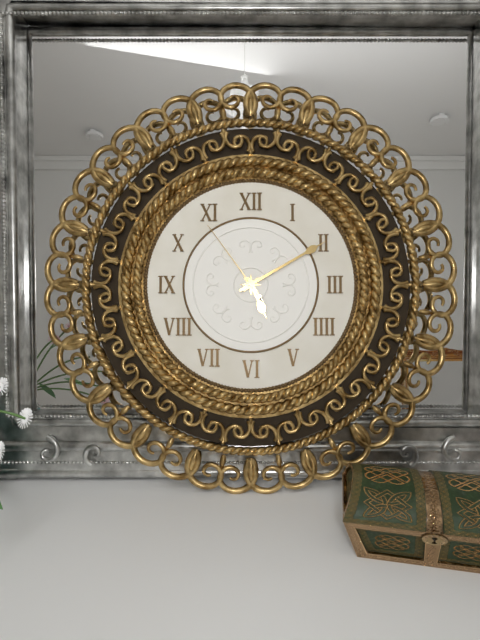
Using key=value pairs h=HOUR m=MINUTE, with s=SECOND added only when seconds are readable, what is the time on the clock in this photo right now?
h=5 m=10 s=54
